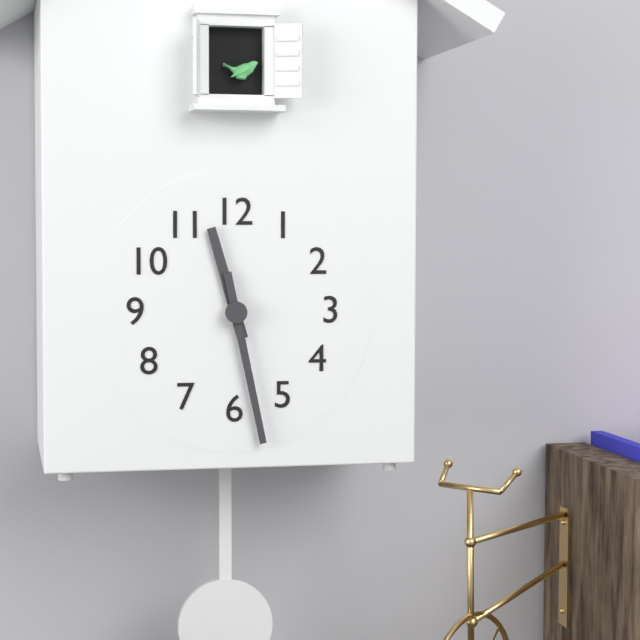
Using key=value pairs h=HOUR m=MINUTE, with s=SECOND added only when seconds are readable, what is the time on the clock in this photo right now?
h=11 m=28
